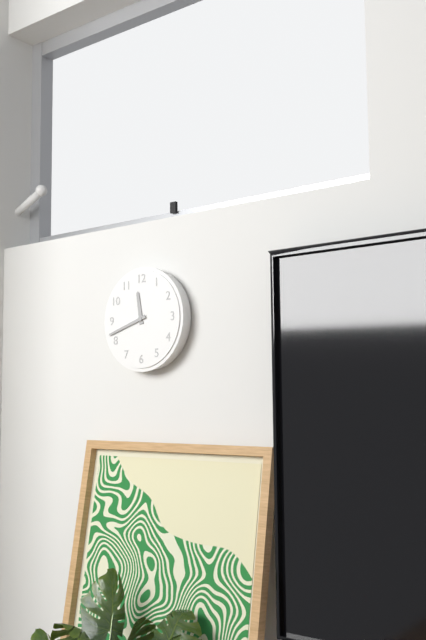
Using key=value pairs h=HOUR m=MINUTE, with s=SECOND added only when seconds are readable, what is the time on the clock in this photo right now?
h=11 m=42
